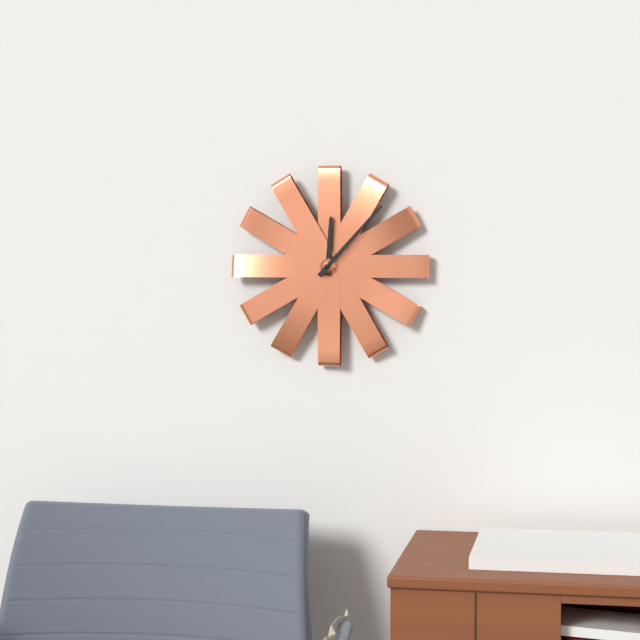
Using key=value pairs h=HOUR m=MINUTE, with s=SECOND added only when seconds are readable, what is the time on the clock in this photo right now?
h=12 m=7
